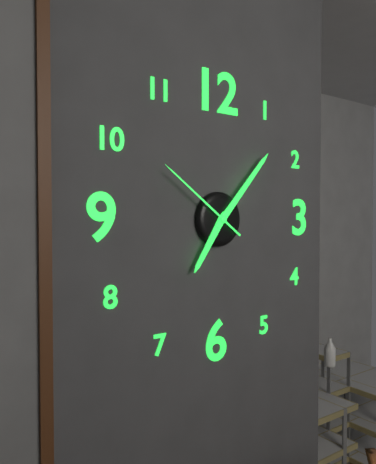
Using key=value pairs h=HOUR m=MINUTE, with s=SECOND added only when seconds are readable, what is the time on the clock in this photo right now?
h=7 m=7 s=51
